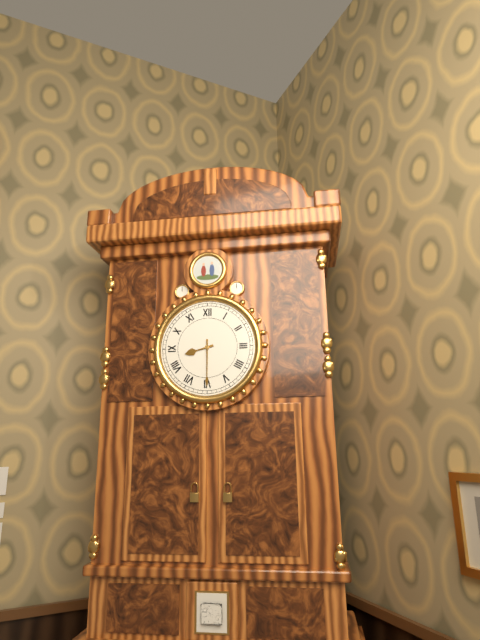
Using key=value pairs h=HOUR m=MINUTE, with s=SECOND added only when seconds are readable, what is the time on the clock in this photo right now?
h=8 m=30
